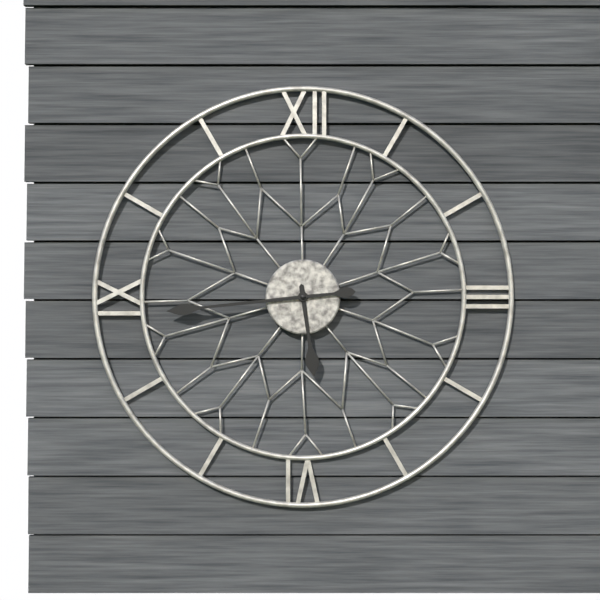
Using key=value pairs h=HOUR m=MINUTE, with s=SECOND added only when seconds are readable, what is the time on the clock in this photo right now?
h=5 m=44
